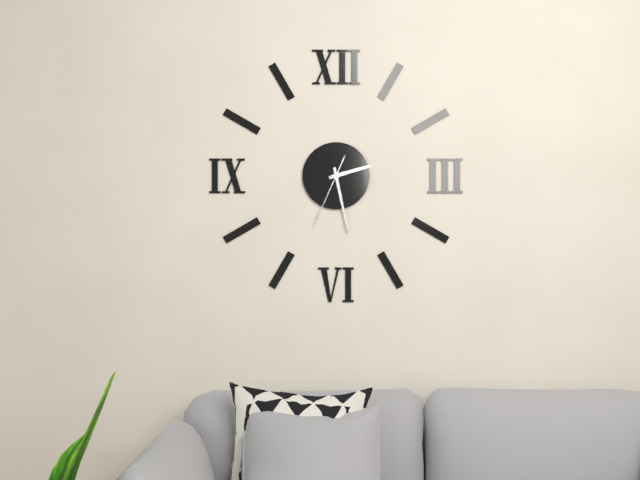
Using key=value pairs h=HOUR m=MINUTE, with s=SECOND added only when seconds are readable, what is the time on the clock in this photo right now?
h=2 m=28 s=34
